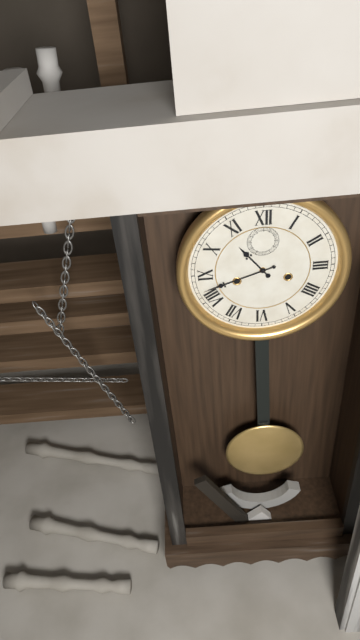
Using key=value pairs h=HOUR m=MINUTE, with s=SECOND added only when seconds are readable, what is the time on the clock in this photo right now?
h=10 m=42
